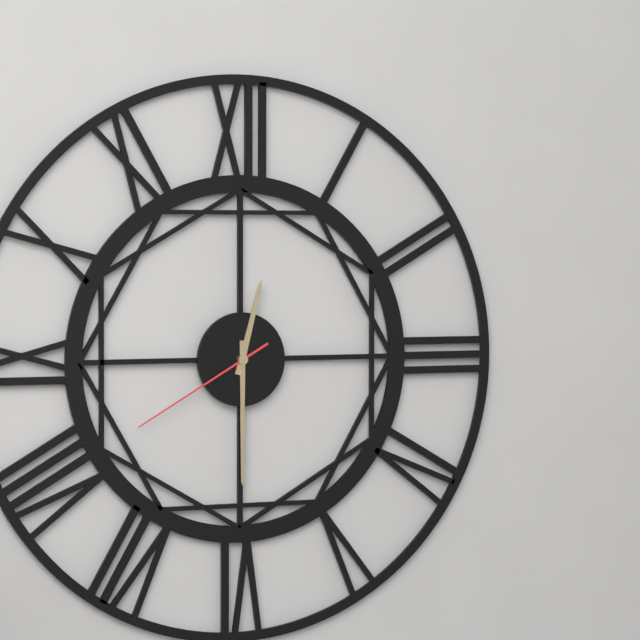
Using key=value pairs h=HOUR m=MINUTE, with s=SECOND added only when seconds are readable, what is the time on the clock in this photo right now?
h=12 m=30 s=40
